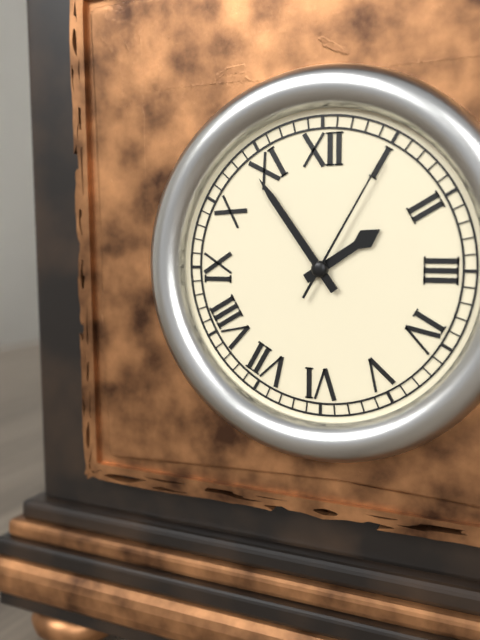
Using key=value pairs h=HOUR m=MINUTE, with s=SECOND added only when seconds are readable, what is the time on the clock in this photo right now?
h=1 m=54 s=5
